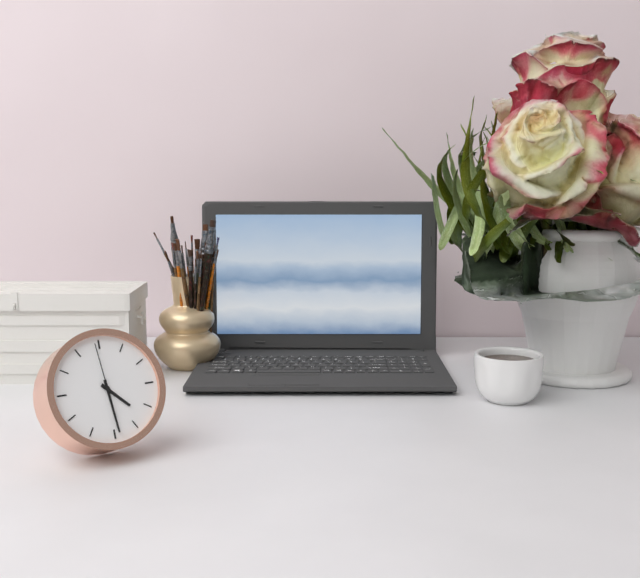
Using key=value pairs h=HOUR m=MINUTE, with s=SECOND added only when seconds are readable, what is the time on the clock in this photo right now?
h=4 m=29 s=59
